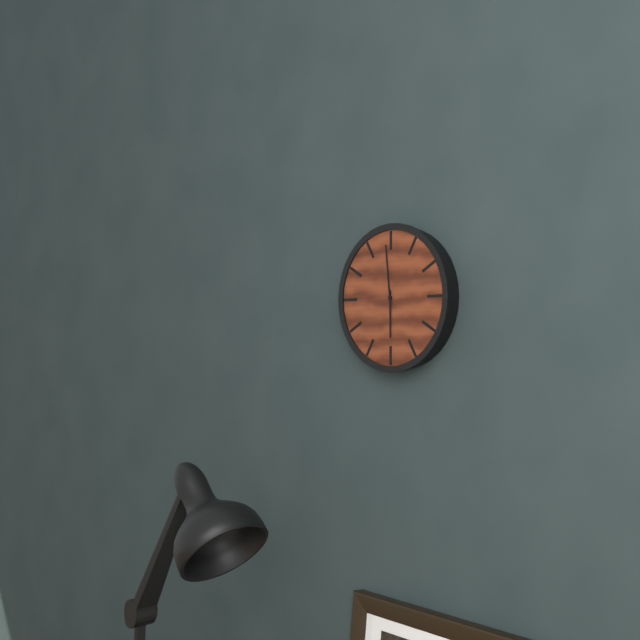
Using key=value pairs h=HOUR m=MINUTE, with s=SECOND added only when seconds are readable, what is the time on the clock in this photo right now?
h=5 m=59
